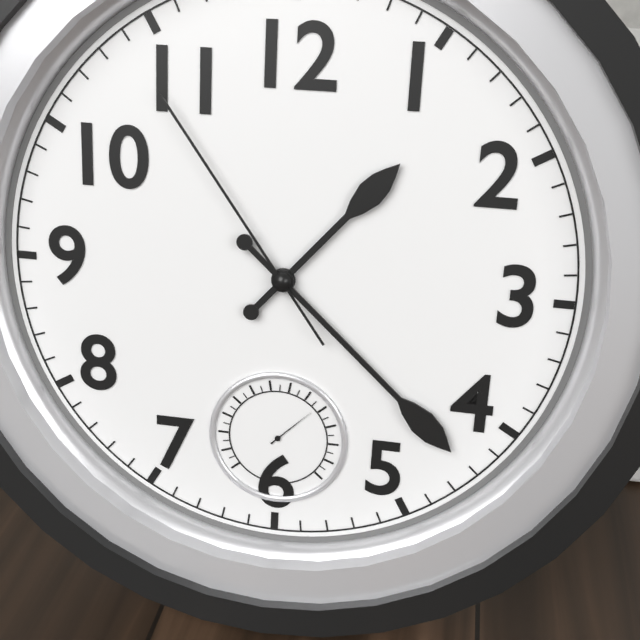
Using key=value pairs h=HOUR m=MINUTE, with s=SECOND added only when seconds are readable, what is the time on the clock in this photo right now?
h=1 m=22 s=54
